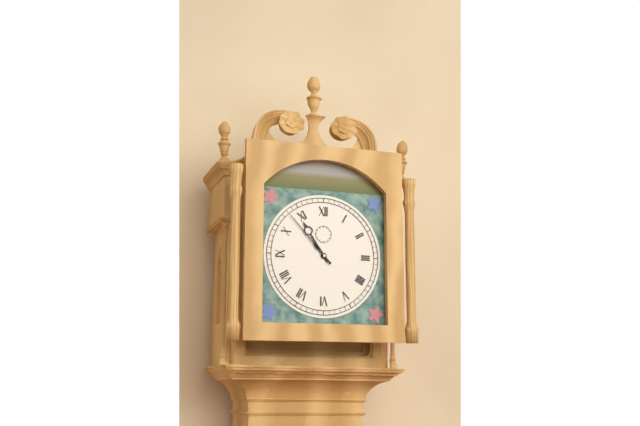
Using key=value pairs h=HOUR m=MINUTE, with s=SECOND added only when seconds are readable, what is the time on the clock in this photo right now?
h=10 m=53
